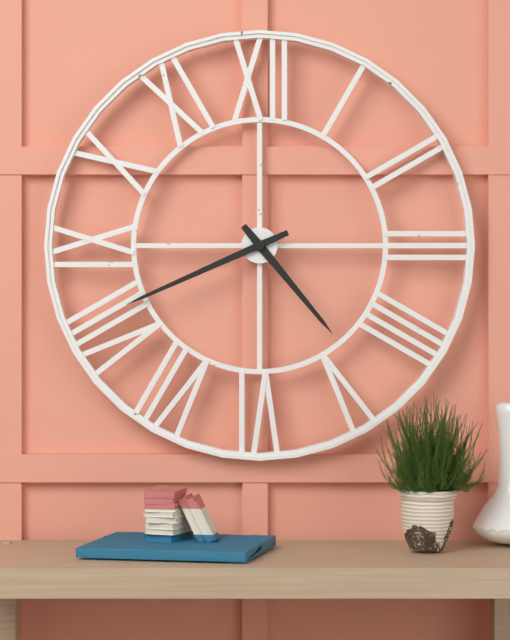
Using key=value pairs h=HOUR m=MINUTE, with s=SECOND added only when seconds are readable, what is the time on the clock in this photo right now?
h=4 m=41
